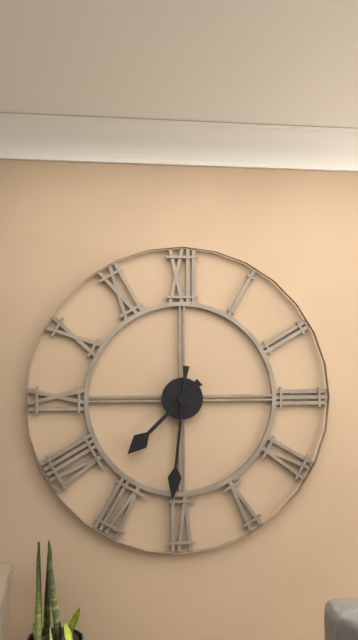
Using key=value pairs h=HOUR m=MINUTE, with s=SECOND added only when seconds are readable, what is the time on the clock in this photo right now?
h=7 m=31
